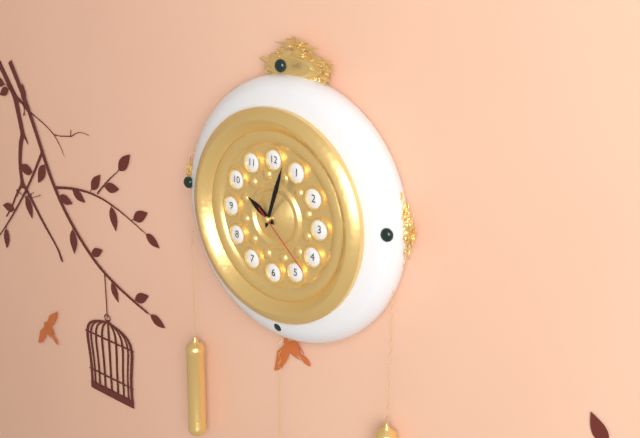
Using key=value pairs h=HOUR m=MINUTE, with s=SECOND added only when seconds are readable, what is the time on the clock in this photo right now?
h=10 m=3 s=22
